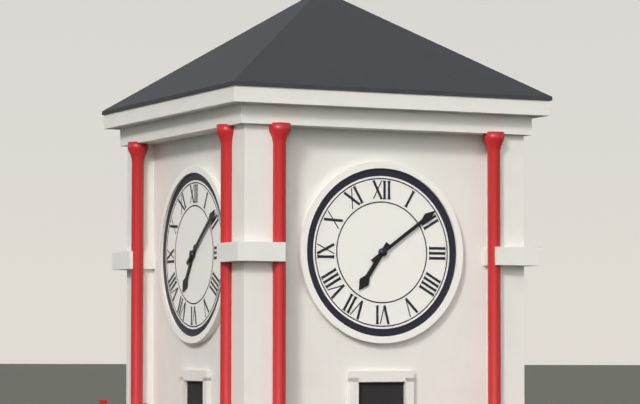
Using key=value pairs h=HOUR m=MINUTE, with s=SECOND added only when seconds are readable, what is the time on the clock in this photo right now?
h=7 m=9
